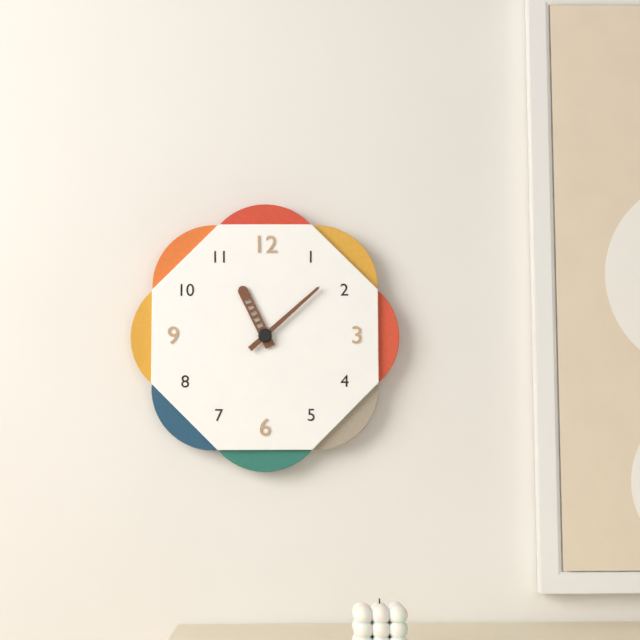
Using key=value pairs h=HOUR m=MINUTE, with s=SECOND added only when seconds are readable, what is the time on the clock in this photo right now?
h=11 m=8
